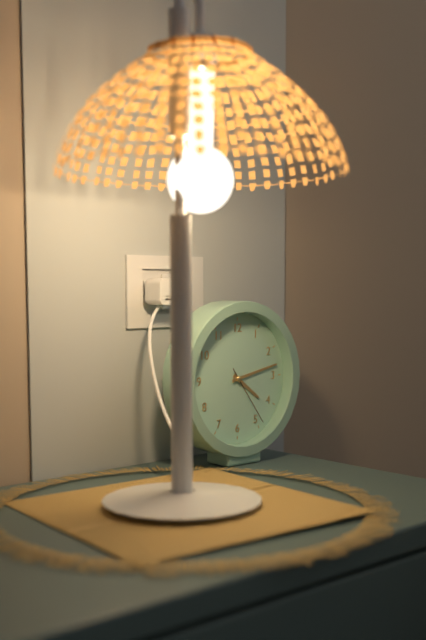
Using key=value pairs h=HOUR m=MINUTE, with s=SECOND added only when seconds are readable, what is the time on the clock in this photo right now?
h=4 m=13 s=24
